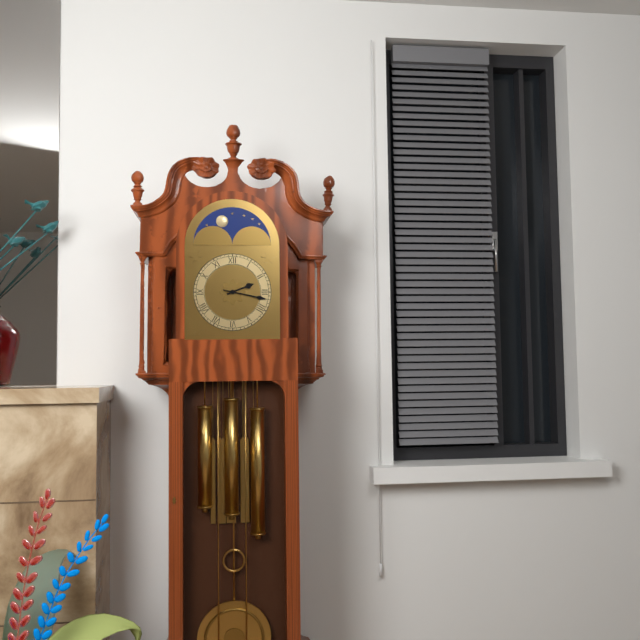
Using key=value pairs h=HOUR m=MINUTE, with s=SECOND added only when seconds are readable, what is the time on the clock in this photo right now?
h=2 m=17
